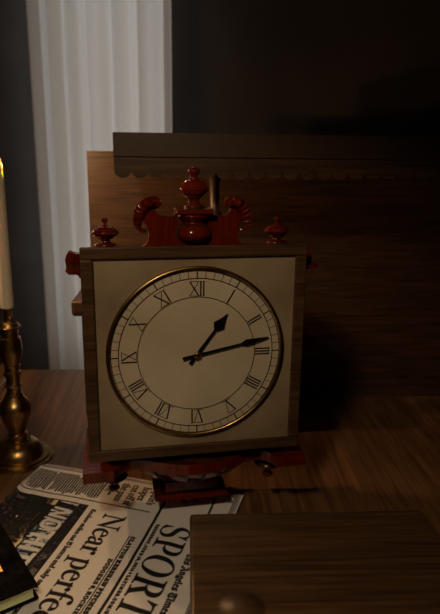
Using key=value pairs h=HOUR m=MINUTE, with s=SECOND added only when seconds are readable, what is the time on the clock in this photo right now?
h=1 m=13
